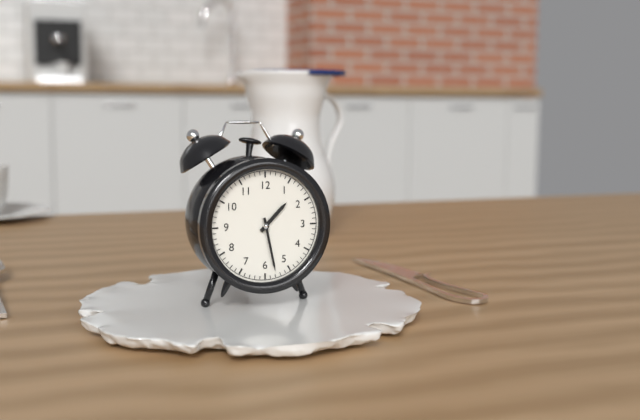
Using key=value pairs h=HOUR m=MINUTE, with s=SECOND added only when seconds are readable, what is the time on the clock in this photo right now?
h=1 m=28
